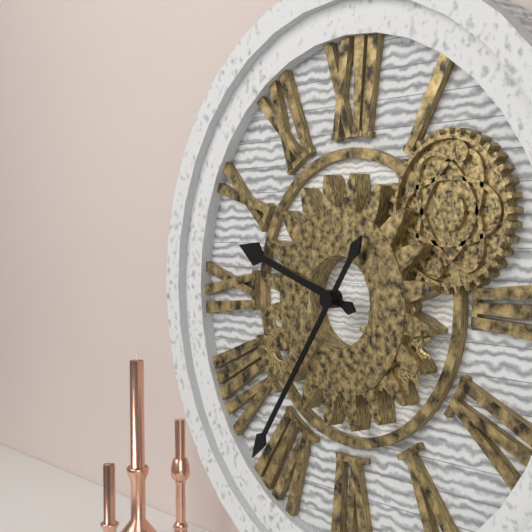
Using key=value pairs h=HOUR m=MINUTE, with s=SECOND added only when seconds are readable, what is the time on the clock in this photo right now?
h=9 m=36
